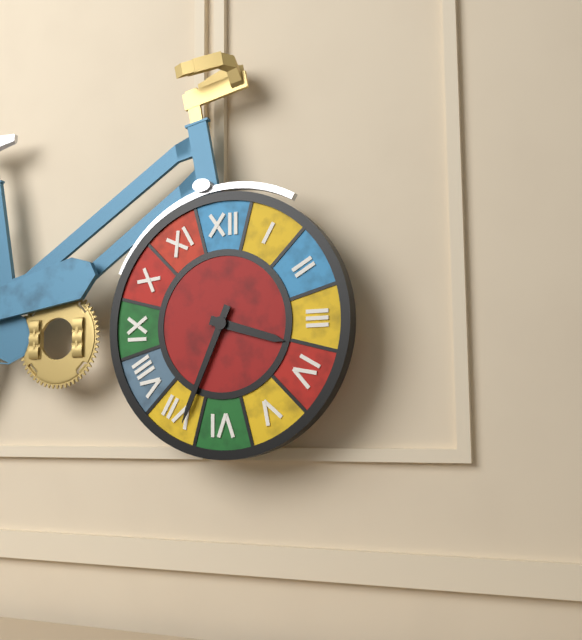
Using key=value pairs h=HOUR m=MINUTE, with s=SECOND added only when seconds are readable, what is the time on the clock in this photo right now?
h=3 m=34
